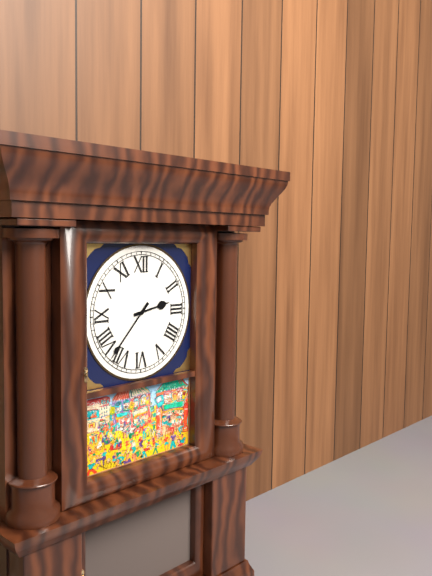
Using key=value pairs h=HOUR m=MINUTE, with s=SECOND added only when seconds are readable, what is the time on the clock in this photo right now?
h=2 m=37
